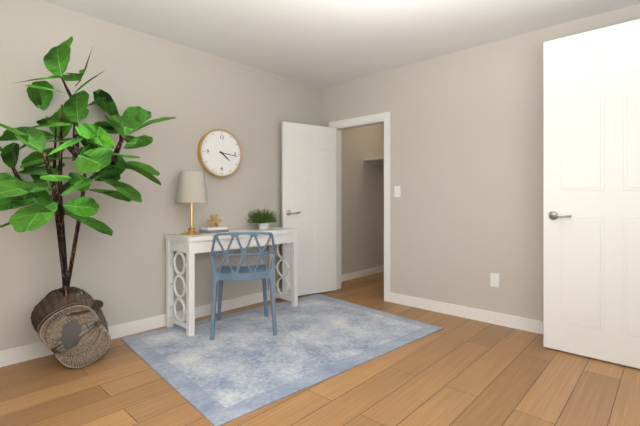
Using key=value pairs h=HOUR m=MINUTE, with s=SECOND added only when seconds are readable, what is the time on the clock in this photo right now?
h=4 m=16
